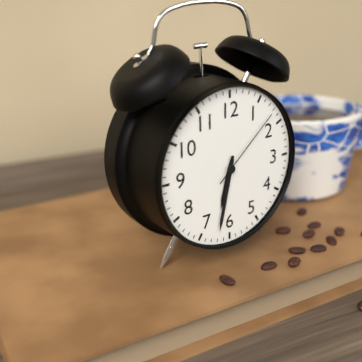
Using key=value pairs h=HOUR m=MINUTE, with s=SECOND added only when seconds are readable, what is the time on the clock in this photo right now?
h=6 m=32 s=8
